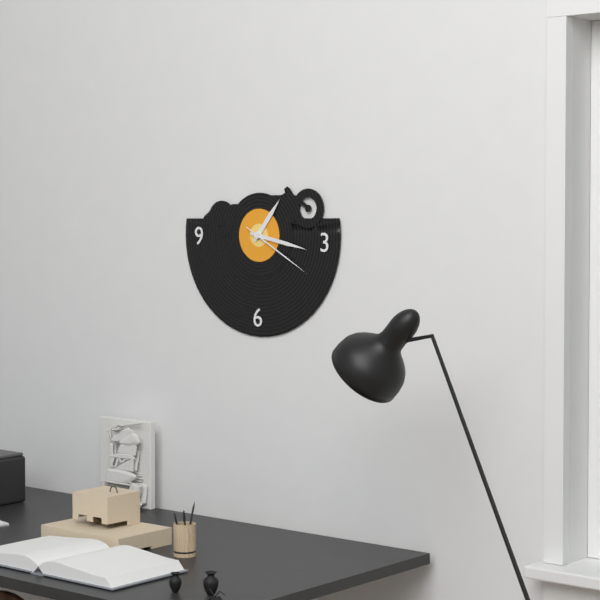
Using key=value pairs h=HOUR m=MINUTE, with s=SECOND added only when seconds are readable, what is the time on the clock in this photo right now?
h=1 m=17 s=20
